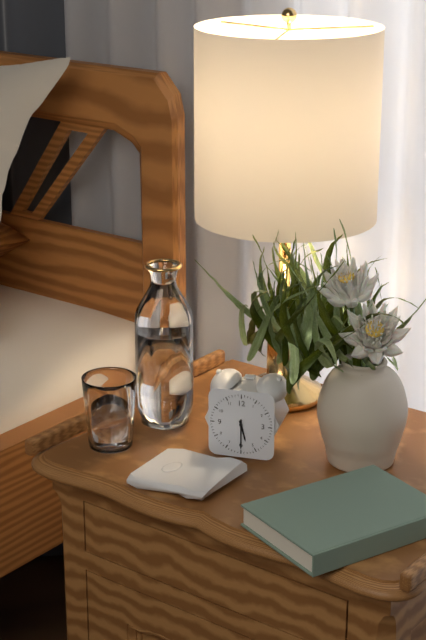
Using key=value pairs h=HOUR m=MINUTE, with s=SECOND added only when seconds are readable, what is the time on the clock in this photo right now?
h=5 m=30
